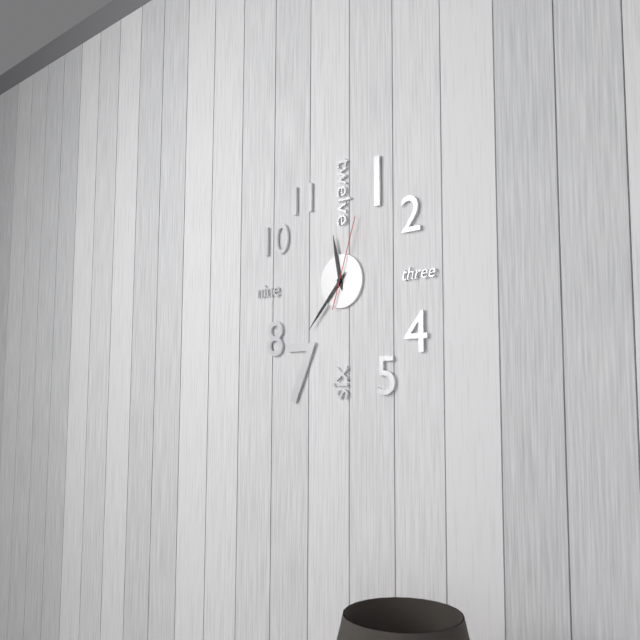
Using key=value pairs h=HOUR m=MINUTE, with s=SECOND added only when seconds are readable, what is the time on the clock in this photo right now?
h=11 m=37 s=3
